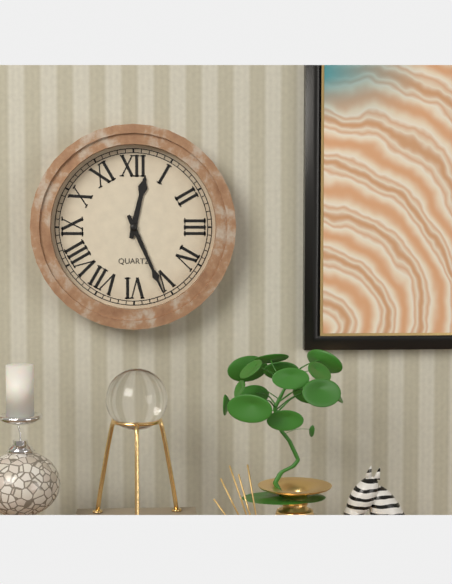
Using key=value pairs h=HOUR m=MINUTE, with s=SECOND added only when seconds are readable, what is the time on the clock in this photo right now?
h=12 m=26
